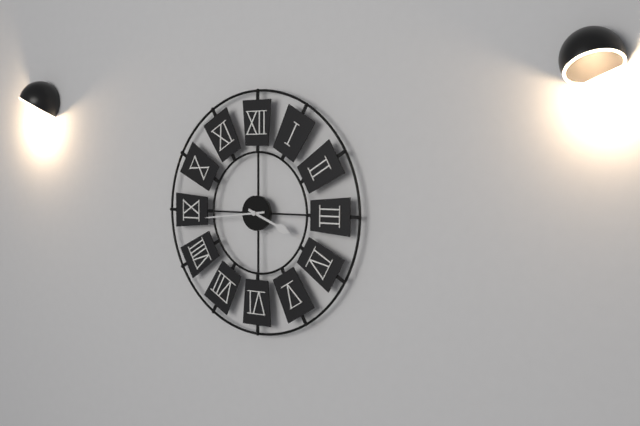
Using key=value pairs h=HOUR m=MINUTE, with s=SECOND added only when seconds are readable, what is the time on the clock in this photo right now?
h=3 m=44
